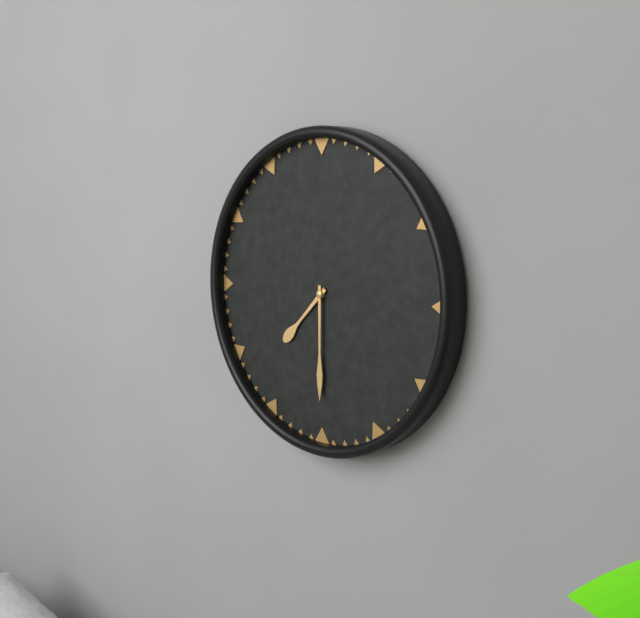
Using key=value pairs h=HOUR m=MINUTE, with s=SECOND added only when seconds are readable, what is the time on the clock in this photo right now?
h=7 m=30
